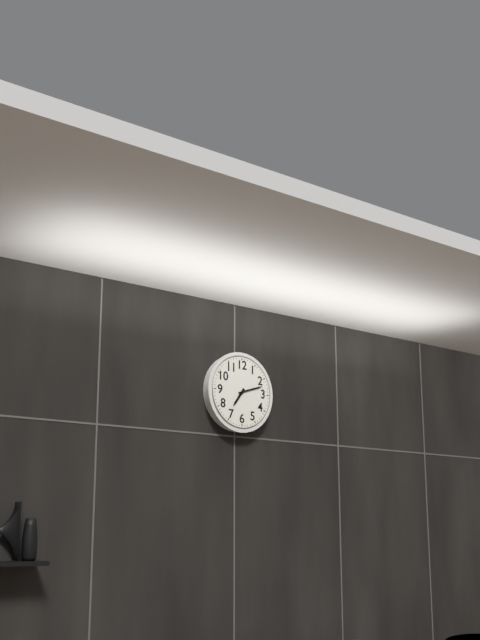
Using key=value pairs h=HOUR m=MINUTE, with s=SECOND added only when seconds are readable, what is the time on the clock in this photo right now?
h=7 m=12
